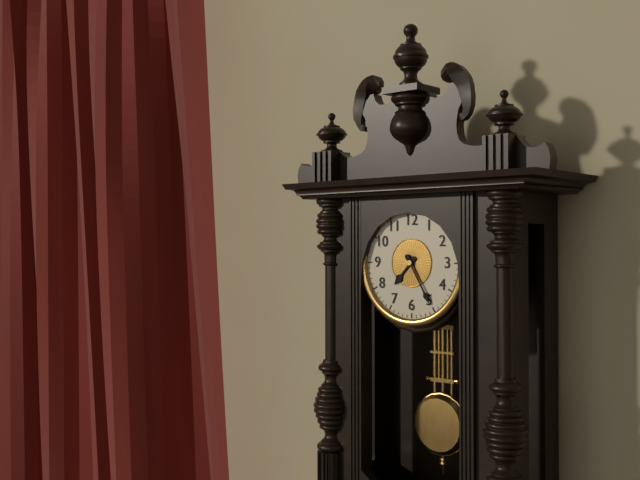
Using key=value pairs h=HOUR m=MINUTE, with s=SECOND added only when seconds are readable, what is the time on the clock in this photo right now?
h=7 m=25
